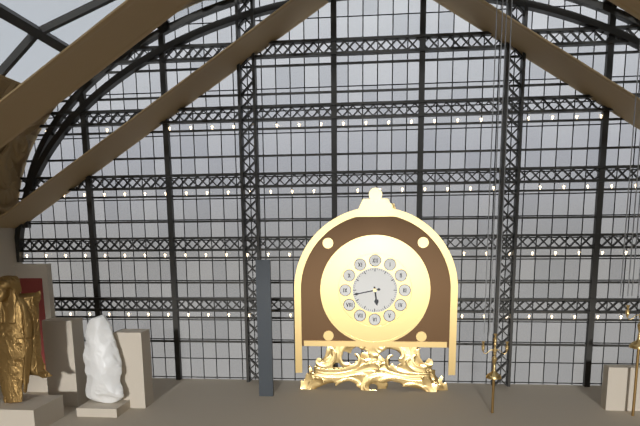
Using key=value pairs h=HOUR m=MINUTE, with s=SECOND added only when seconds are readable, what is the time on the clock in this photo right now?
h=5 m=43
